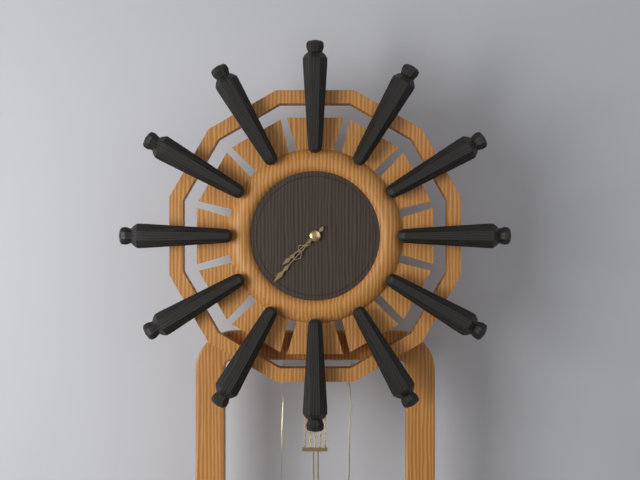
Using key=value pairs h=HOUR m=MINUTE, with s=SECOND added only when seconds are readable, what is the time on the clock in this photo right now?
h=7 m=37
